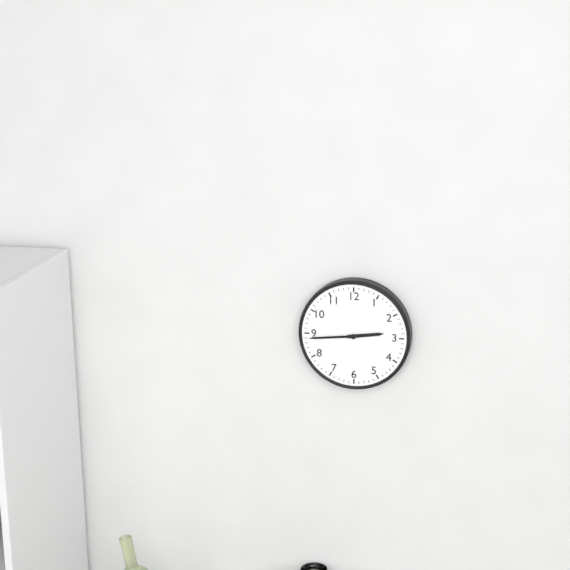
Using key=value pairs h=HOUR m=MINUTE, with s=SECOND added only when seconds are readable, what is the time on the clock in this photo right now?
h=2 m=44
